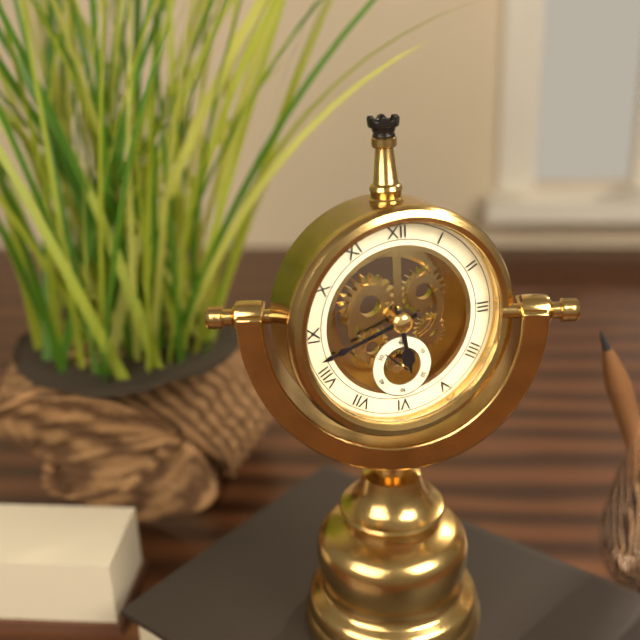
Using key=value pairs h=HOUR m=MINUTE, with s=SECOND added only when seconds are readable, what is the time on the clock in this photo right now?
h=5 m=42
